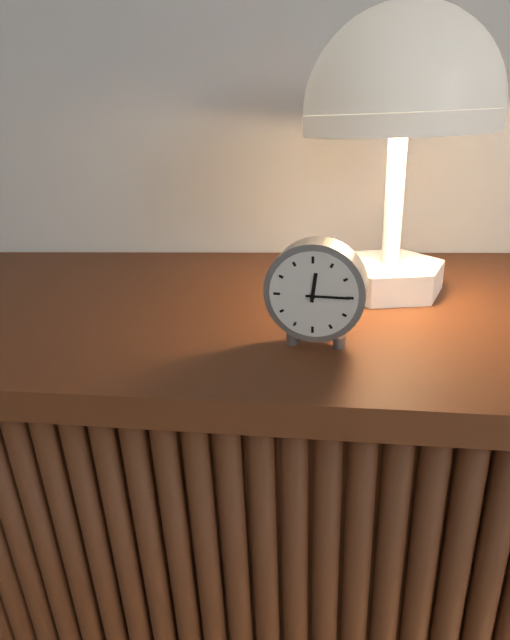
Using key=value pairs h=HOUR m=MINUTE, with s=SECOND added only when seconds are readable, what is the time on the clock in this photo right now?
h=12 m=15
